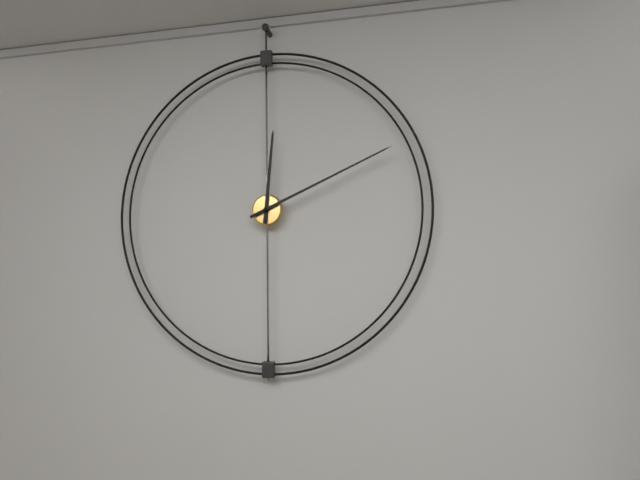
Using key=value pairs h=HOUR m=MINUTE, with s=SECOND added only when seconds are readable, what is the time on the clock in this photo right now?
h=12 m=11
